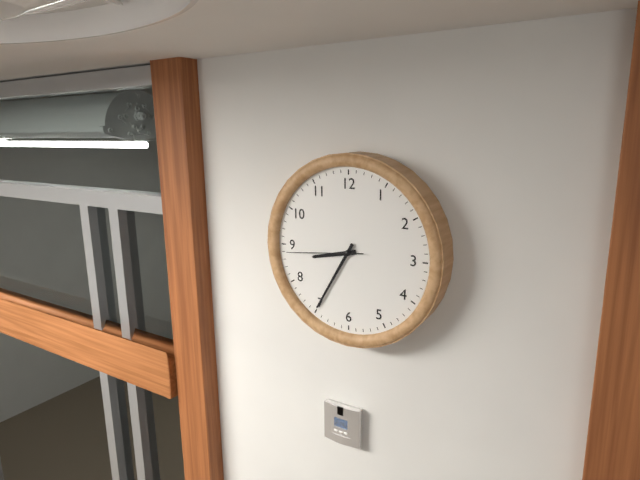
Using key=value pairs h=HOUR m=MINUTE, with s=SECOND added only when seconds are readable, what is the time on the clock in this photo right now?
h=8 m=35 s=44
